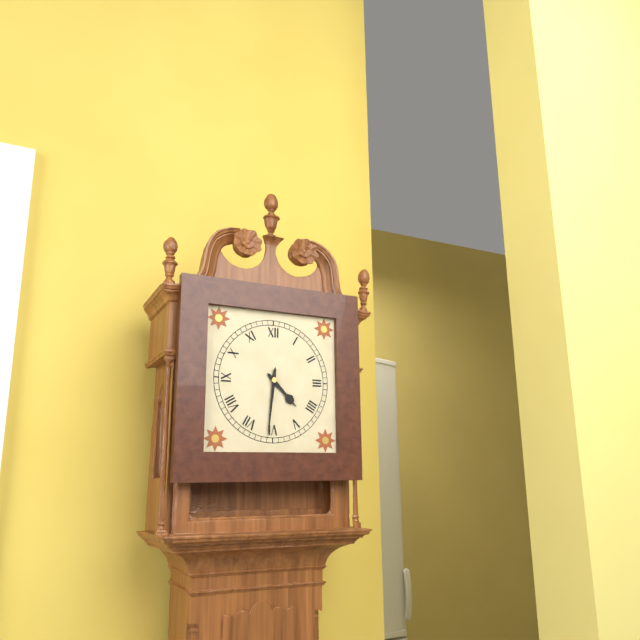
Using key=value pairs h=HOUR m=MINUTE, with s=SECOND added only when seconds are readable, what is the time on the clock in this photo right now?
h=4 m=31
